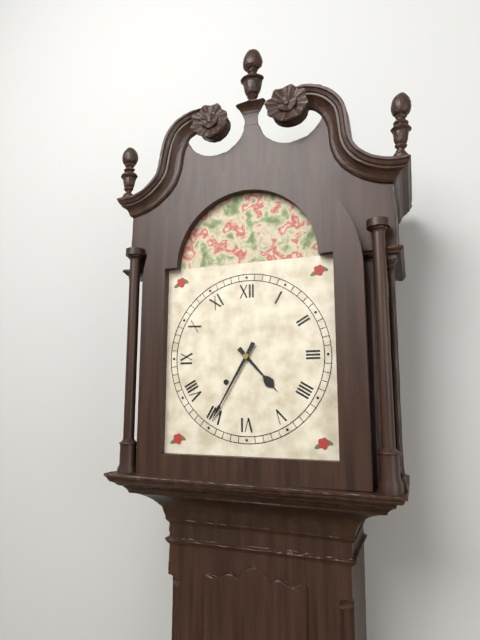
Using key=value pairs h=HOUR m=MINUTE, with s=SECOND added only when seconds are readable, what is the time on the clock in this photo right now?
h=4 m=35
